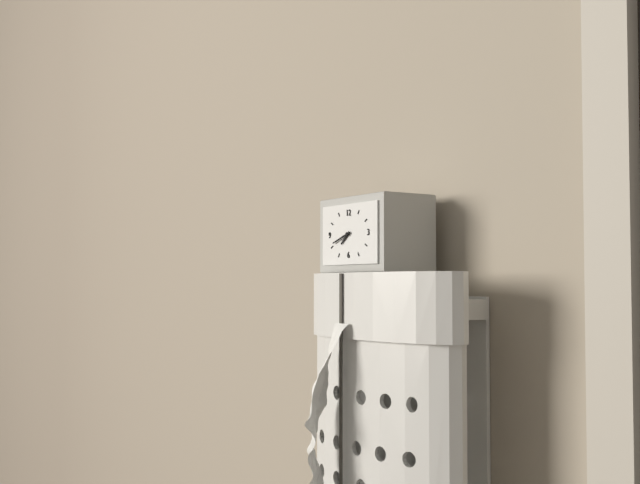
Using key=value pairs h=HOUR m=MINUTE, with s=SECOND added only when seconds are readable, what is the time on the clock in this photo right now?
h=7 m=42
